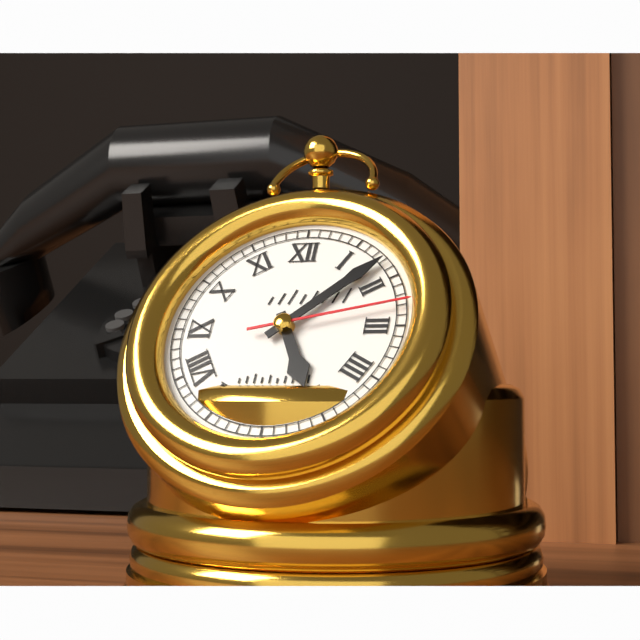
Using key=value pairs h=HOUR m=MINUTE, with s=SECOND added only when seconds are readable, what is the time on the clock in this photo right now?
h=5 m=8 s=13
